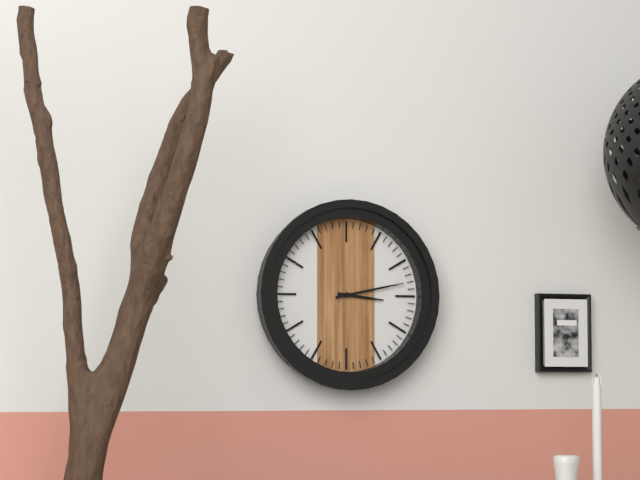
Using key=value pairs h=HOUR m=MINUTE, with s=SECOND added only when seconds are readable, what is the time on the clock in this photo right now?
h=3 m=13
